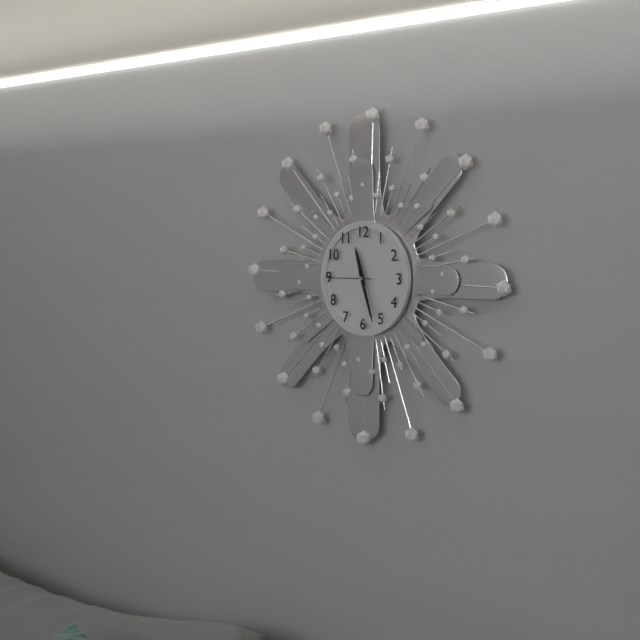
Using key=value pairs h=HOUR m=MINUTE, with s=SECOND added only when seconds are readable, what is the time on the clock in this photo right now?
h=11 m=27
